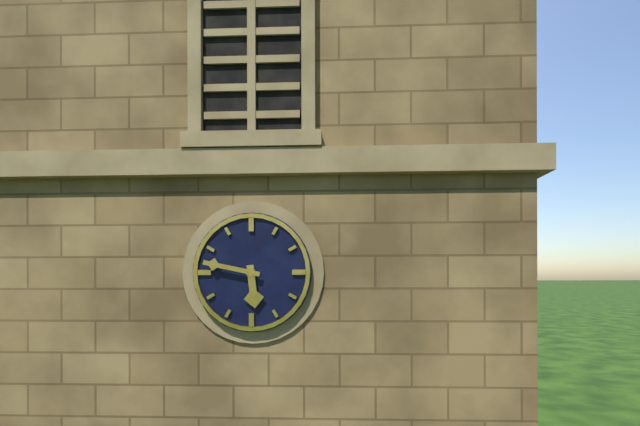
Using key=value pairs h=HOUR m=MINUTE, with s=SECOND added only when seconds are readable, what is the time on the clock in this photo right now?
h=5 m=47
